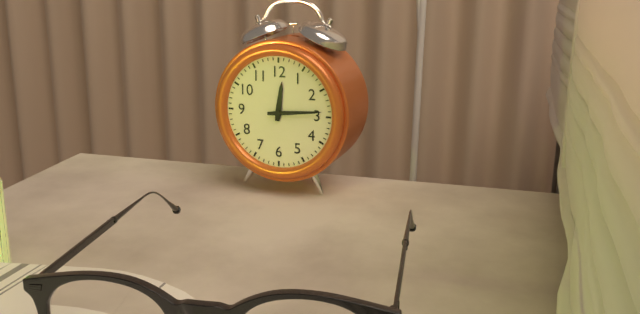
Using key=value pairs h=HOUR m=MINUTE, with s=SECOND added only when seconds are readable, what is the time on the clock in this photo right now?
h=12 m=14
